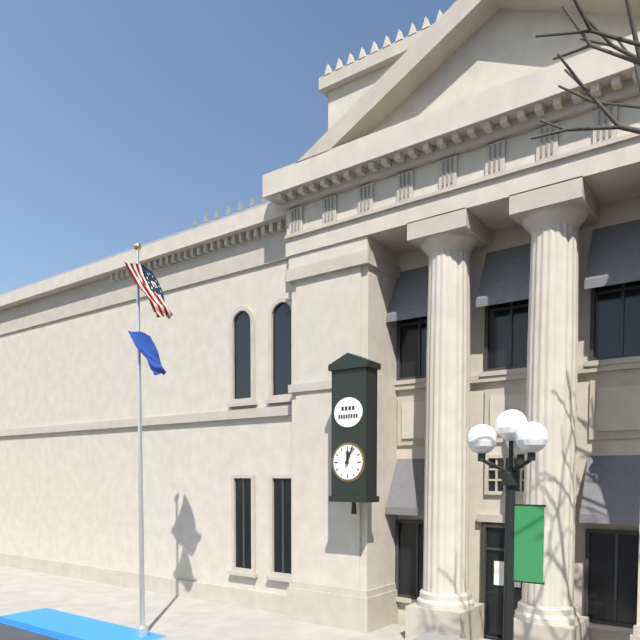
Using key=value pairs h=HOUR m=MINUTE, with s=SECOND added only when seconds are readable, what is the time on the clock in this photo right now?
h=12 m=4
